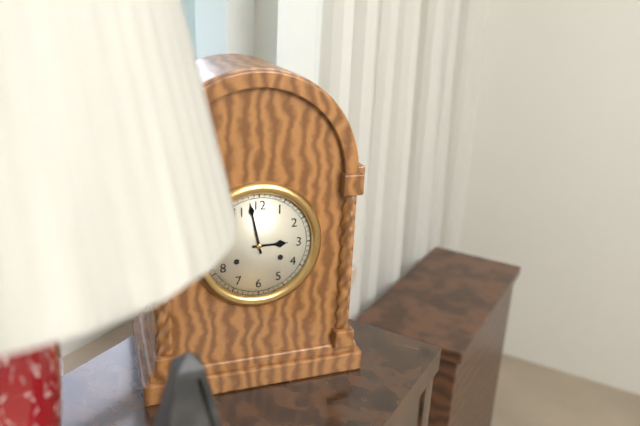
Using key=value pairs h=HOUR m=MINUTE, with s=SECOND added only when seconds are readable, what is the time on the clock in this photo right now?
h=2 m=58
